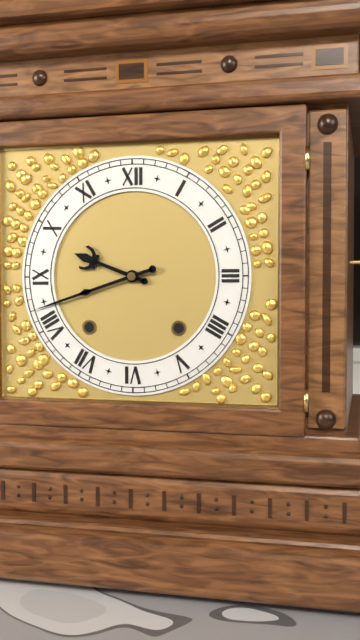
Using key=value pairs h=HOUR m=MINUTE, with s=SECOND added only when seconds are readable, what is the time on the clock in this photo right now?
h=9 m=42
